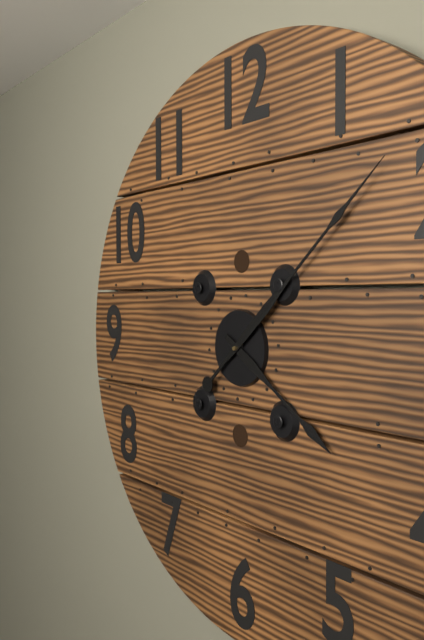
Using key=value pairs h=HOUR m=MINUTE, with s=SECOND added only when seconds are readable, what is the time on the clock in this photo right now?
h=4 m=8
